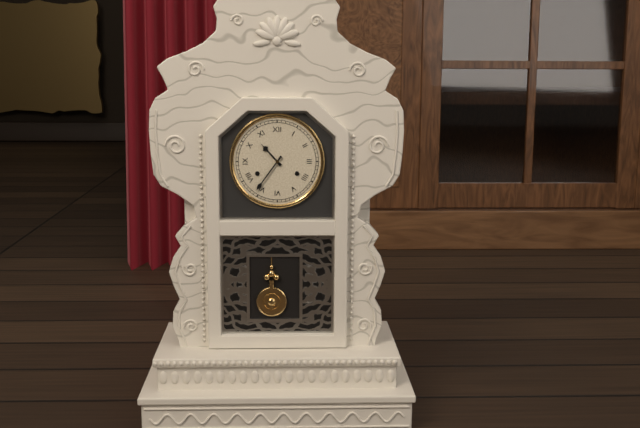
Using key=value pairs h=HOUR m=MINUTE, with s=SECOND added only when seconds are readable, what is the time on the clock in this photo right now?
h=10 m=36
